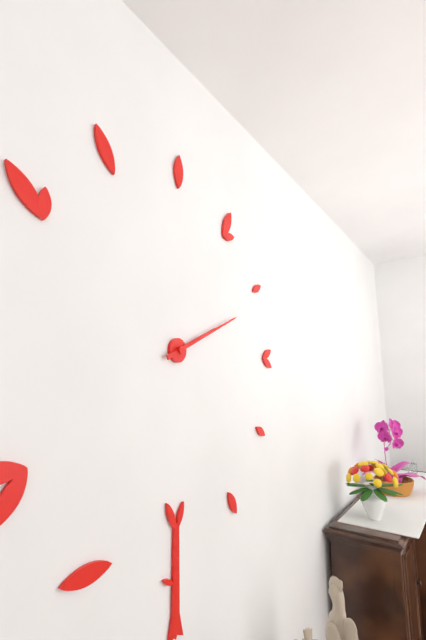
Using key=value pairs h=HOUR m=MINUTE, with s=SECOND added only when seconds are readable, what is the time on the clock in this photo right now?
h=2 m=11
